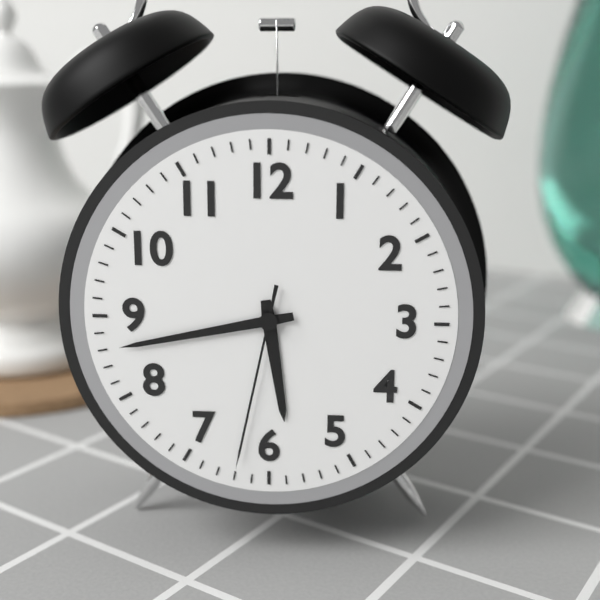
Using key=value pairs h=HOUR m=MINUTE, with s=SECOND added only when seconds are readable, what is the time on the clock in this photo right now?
h=5 m=43 s=32
